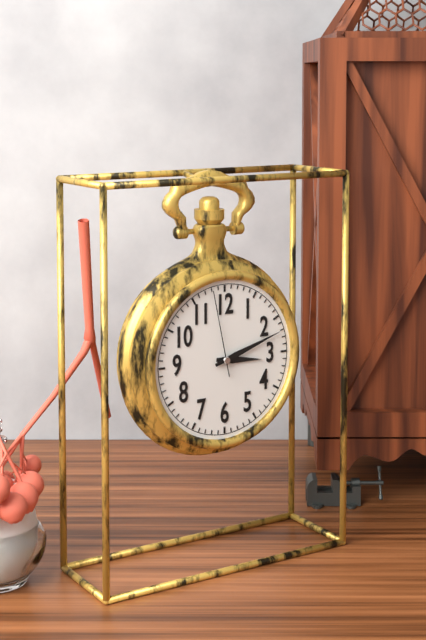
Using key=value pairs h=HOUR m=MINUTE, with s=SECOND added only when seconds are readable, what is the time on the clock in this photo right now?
h=3 m=12 s=58
